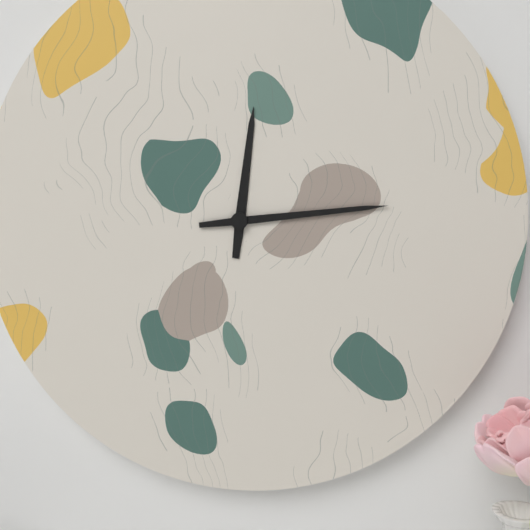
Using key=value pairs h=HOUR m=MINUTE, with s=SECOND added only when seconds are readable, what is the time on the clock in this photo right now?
h=12 m=14
